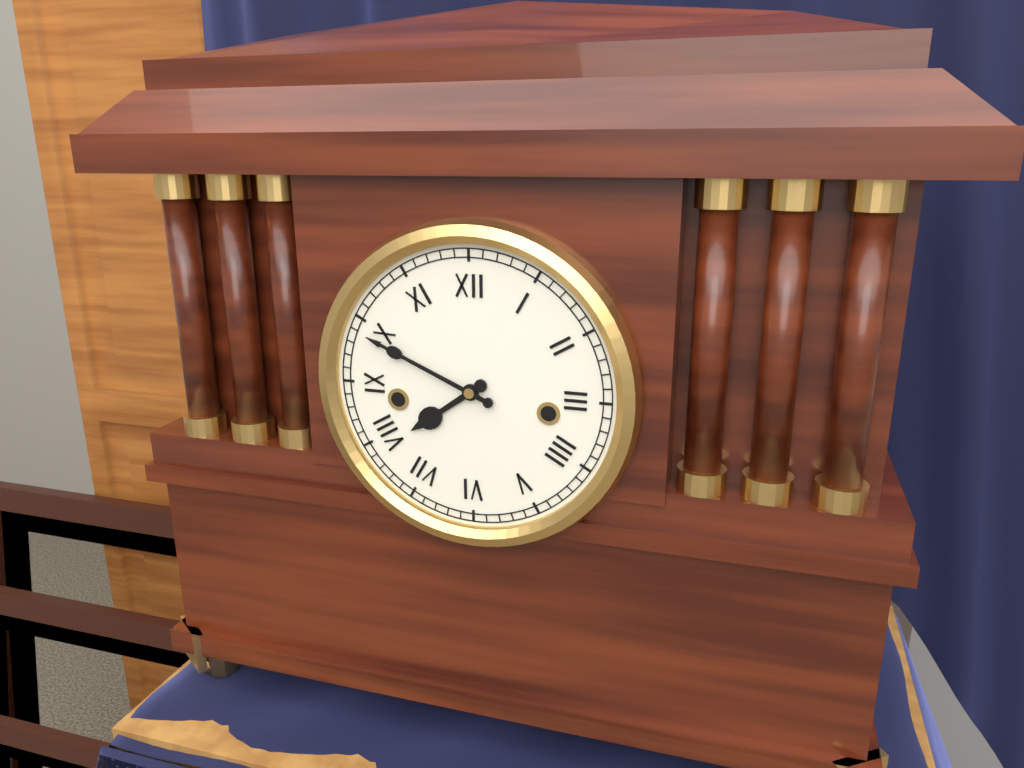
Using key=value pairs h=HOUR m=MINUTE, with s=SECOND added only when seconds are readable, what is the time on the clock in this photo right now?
h=7 m=49
